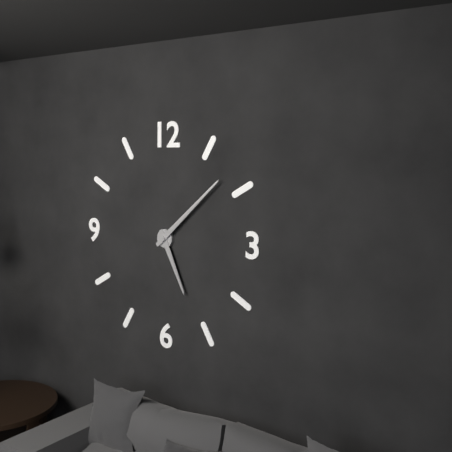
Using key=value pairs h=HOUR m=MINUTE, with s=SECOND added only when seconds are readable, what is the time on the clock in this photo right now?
h=5 m=8
